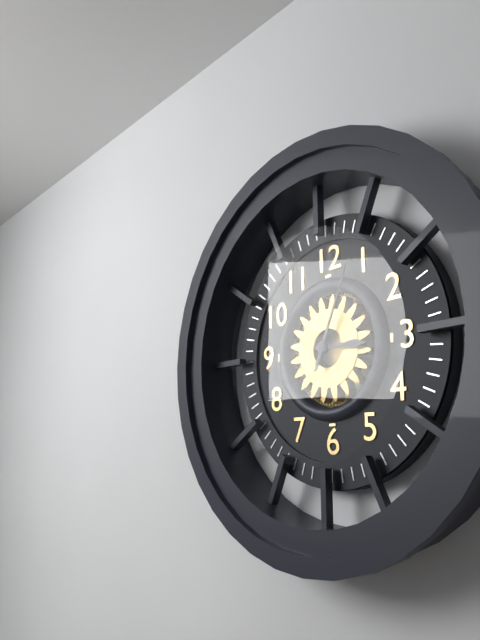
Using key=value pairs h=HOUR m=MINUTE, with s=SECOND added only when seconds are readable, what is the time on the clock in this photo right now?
h=3 m=4
